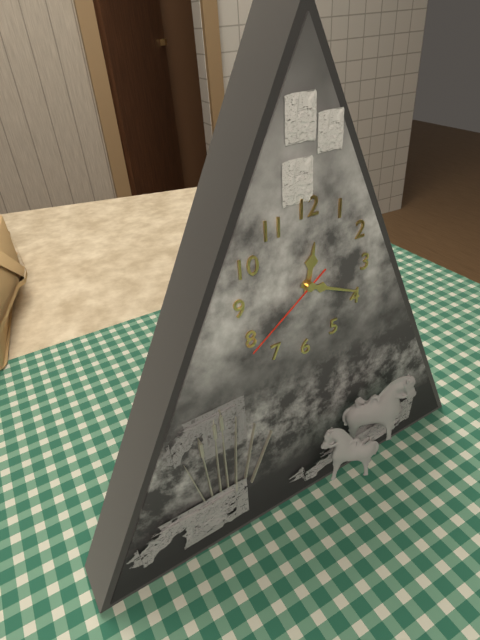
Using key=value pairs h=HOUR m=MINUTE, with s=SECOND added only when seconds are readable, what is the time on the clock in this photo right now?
h=12 m=19 s=39
